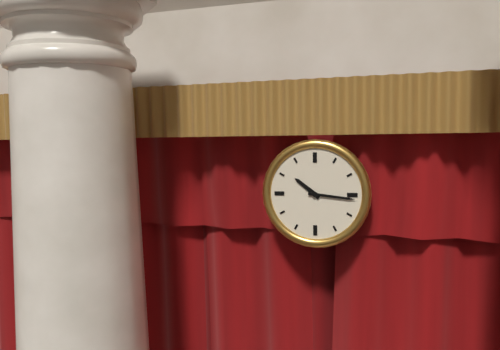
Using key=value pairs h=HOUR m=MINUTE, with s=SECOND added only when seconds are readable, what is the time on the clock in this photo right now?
h=10 m=16
